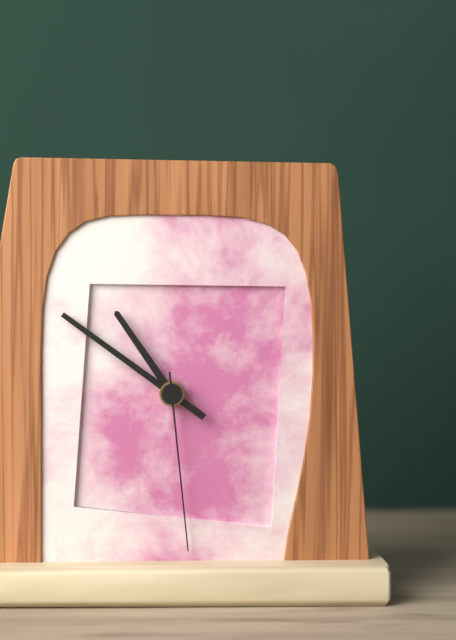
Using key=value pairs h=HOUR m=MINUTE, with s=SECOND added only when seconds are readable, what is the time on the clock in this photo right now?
h=10 m=51 s=29
